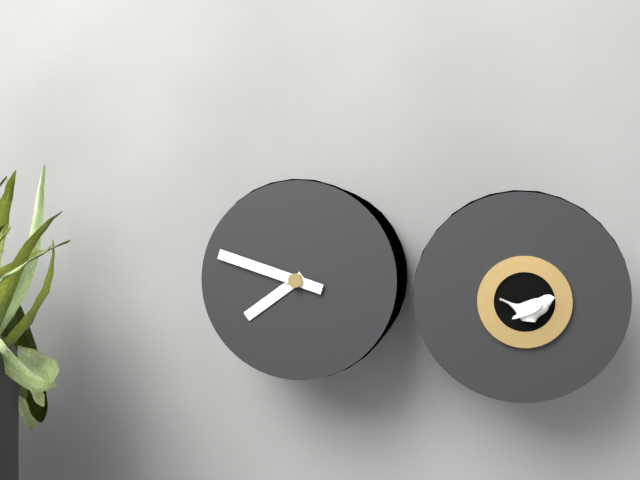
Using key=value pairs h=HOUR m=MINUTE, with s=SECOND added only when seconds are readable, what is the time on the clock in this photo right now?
h=7 m=48
